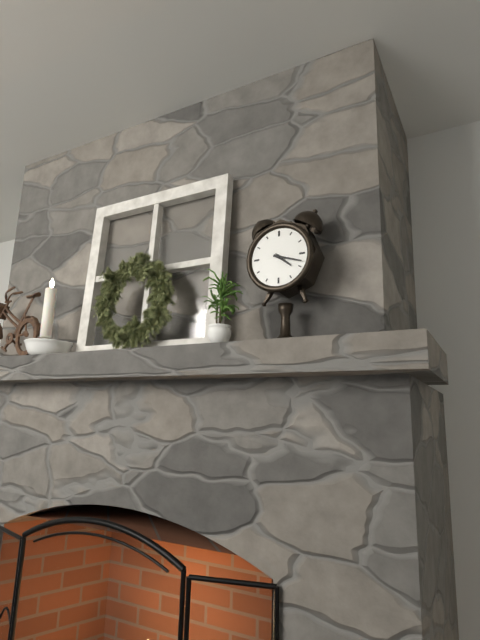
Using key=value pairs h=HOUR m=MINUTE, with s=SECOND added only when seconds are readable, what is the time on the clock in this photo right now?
h=4 m=18
